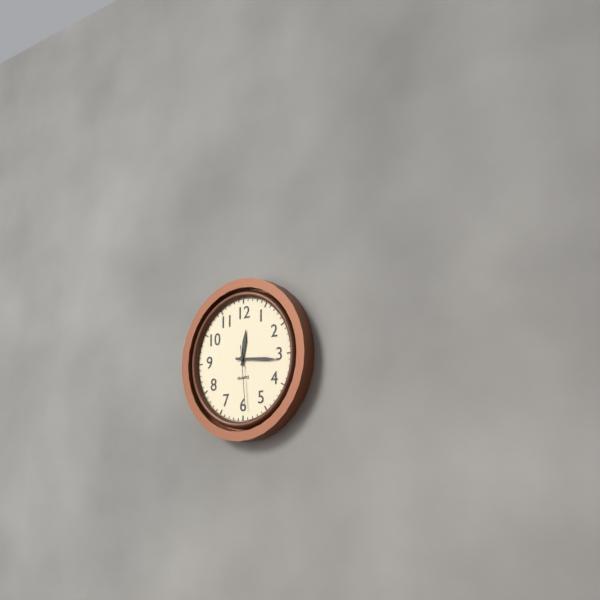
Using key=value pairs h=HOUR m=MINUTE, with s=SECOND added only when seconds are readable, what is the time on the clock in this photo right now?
h=12 m=16 s=29
